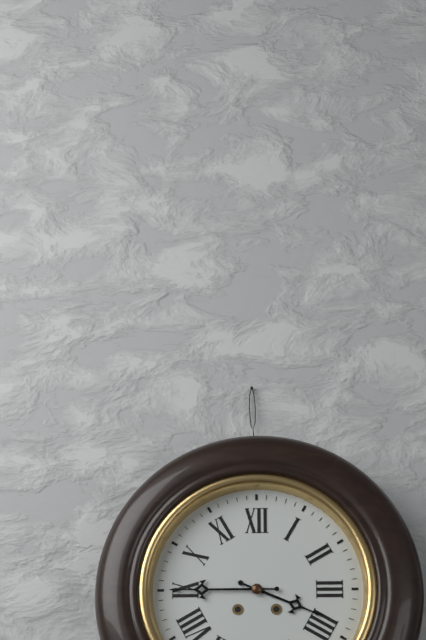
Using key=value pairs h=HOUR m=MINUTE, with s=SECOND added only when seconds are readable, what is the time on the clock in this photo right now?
h=3 m=45
